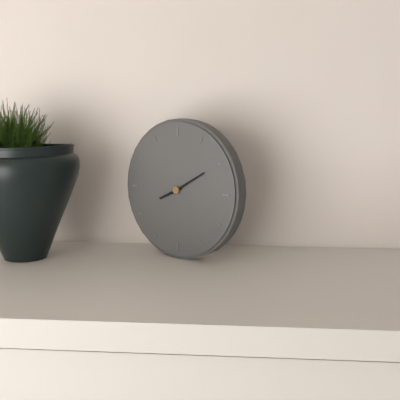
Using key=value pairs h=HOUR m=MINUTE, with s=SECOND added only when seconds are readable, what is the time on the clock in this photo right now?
h=8 m=10
